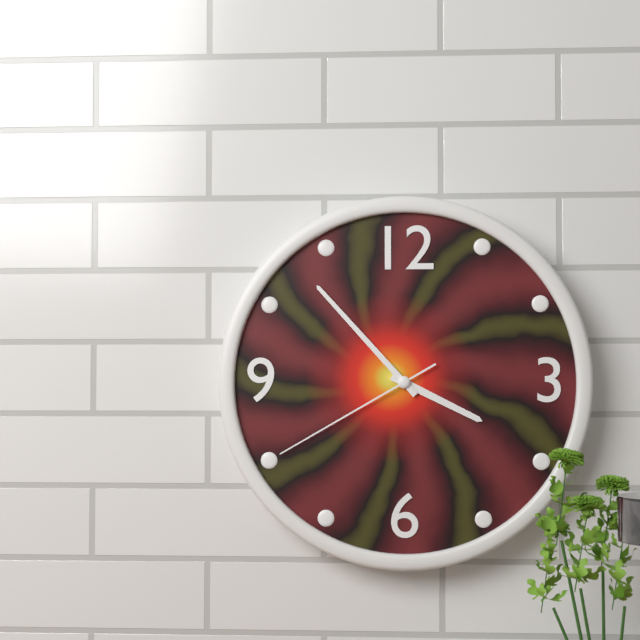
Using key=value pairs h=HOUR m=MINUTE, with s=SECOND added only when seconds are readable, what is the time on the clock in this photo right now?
h=3 m=53 s=40
